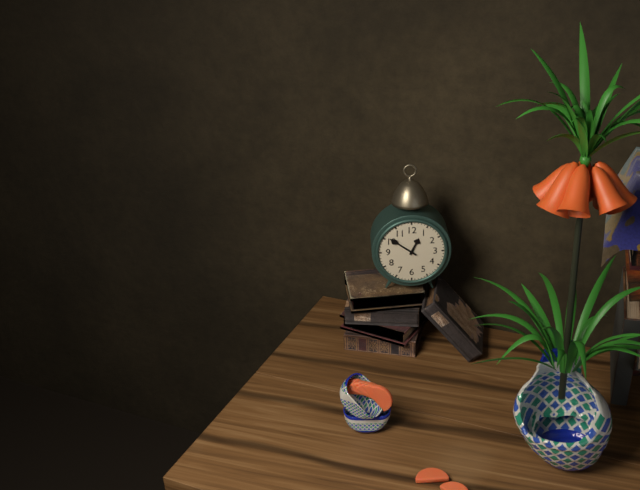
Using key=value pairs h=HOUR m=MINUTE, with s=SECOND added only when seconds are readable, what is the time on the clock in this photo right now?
h=12 m=51
